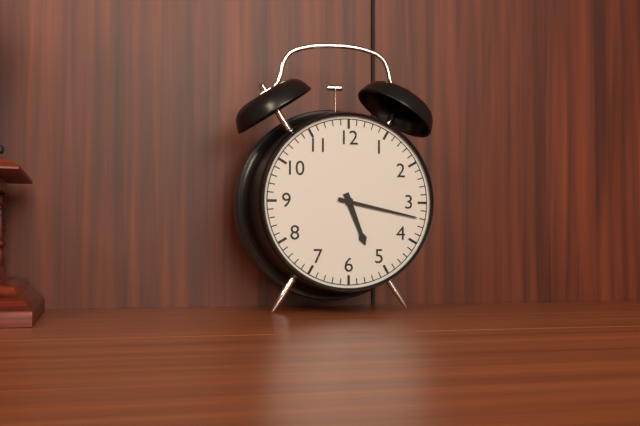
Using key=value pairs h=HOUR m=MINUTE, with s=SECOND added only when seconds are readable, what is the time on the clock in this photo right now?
h=5 m=17
